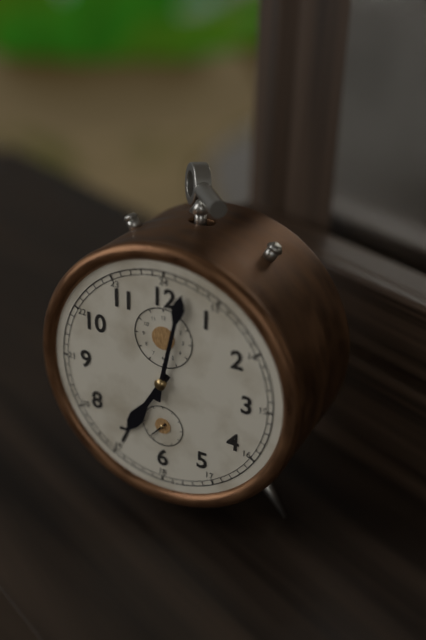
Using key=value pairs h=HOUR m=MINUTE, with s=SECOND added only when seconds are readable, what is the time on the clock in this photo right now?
h=7 m=2
